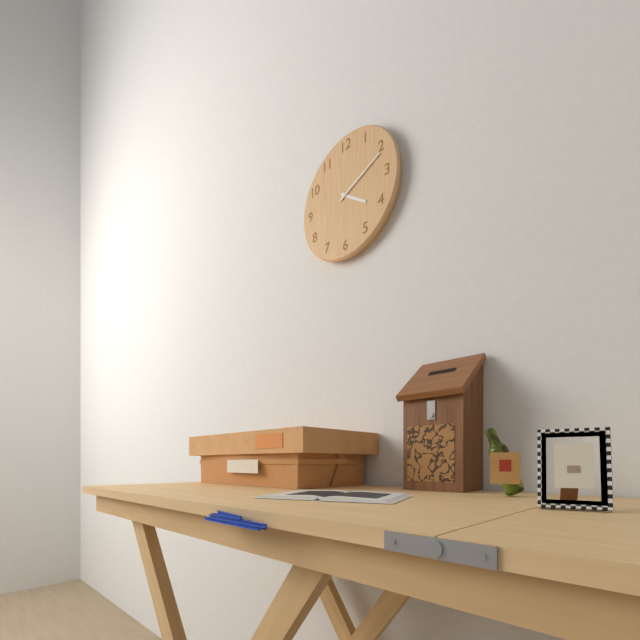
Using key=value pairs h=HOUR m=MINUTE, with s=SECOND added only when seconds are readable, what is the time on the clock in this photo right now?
h=4 m=11
